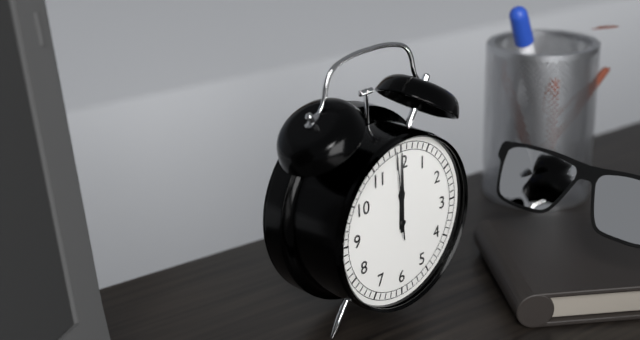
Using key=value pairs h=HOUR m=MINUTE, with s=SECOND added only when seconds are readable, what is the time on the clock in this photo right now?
h=12 m=0 s=59
